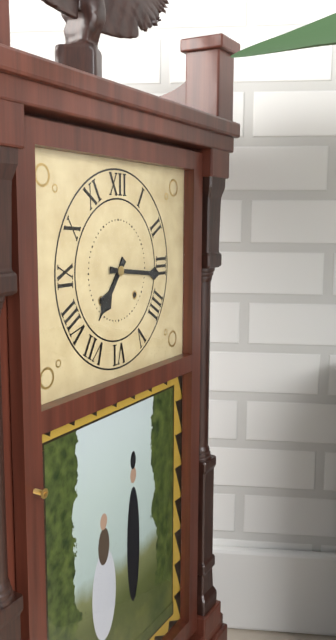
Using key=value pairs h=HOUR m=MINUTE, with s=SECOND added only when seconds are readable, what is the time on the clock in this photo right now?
h=7 m=16
